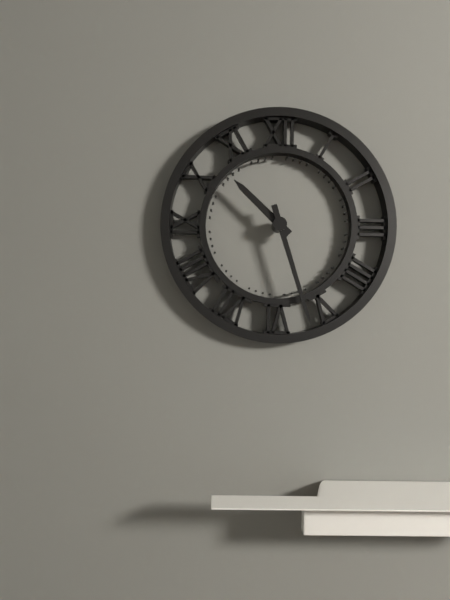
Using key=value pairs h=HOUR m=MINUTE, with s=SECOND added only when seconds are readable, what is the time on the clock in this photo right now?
h=10 m=27
